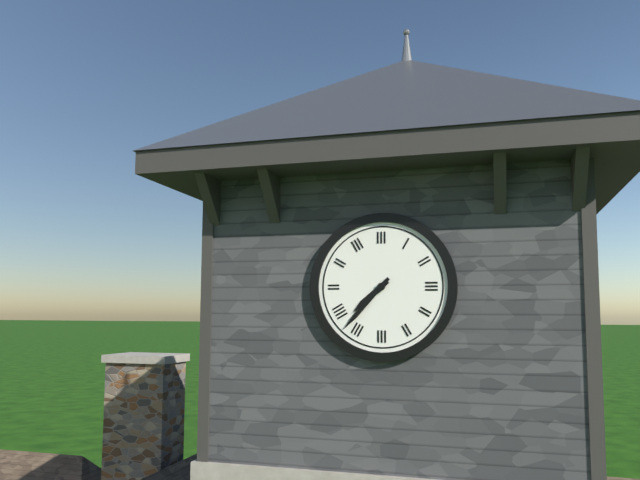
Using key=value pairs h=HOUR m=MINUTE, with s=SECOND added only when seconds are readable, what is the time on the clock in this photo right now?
h=7 m=37
